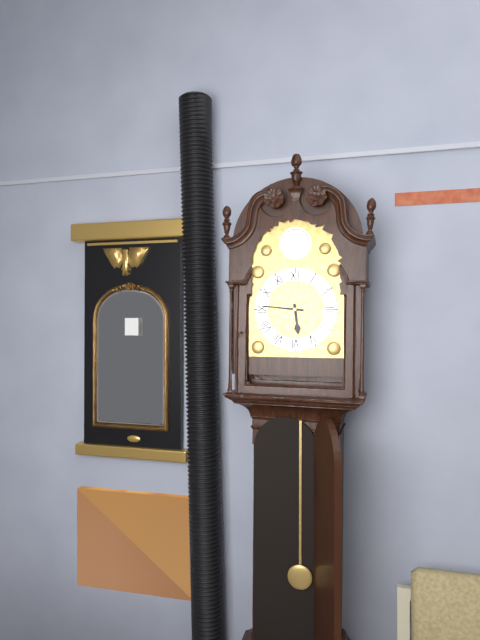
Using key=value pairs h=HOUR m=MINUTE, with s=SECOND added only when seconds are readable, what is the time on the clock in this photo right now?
h=5 m=46
